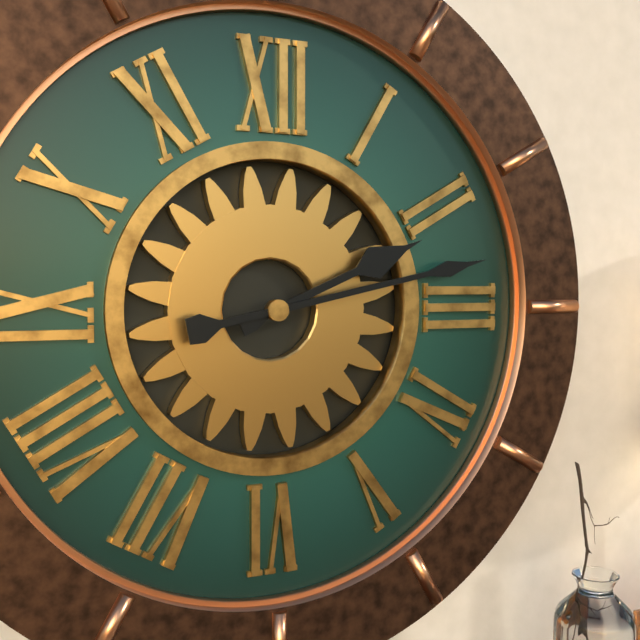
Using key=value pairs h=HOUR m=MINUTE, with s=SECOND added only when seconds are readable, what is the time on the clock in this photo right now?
h=2 m=13
